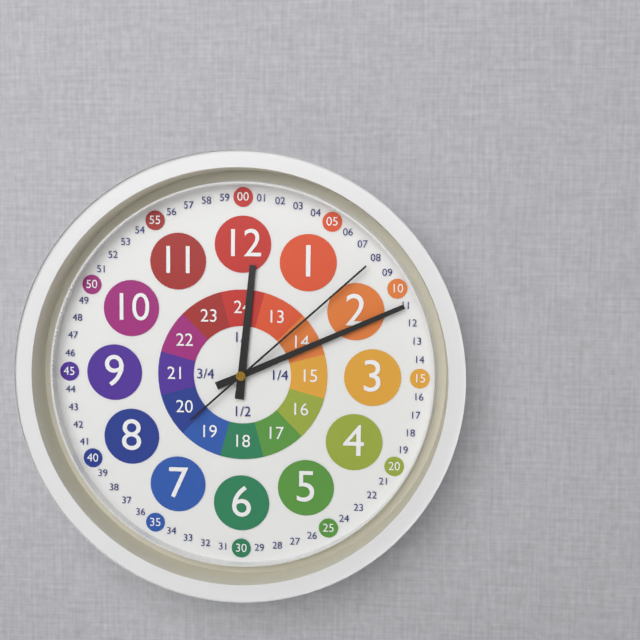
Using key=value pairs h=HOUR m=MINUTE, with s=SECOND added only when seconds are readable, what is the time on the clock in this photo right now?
h=12 m=11 s=8
